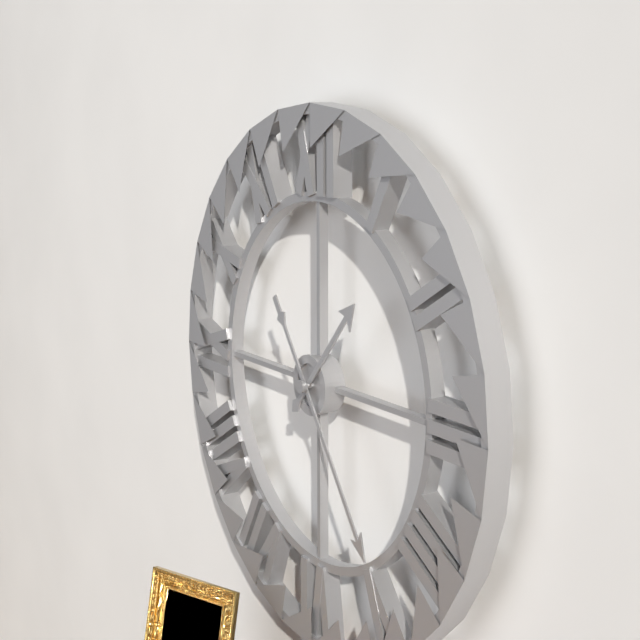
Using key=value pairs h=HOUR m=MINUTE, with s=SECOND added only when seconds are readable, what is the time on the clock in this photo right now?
h=1 m=24
